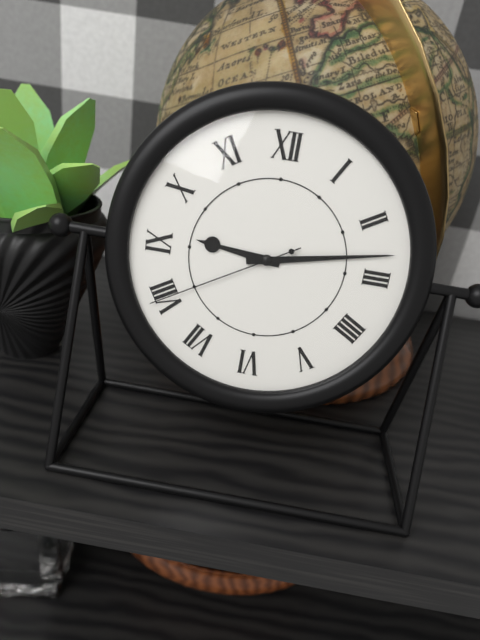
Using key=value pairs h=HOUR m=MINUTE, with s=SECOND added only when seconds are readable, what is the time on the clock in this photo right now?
h=9 m=13 s=40
